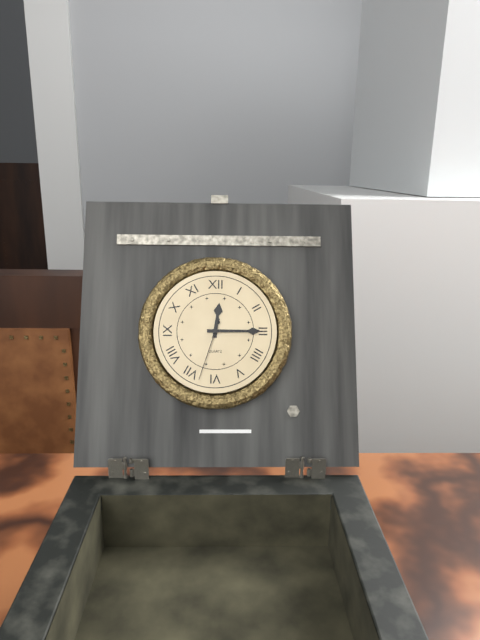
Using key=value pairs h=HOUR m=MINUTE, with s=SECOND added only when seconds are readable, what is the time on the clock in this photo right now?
h=12 m=15 s=33
